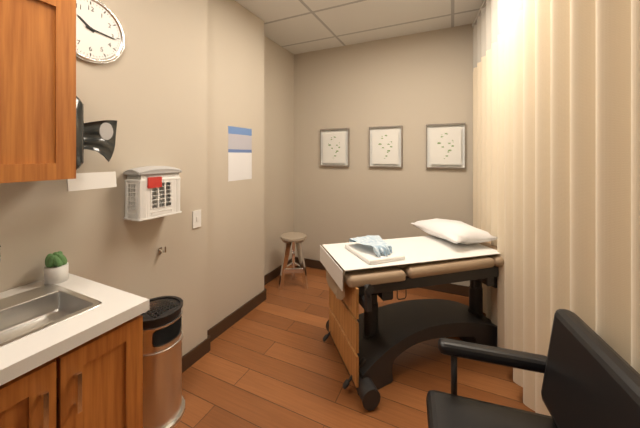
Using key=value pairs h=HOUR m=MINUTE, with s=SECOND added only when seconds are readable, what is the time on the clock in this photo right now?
h=10 m=16
